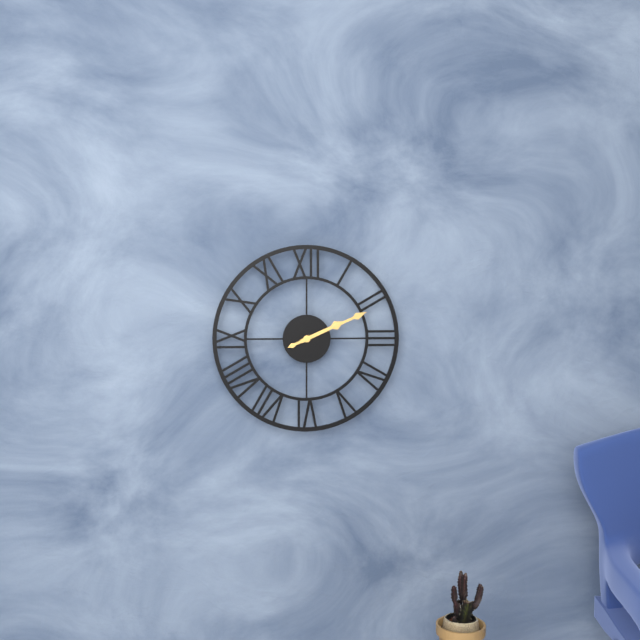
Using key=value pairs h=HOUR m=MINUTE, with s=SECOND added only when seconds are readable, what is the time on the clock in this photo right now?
h=2 m=11
